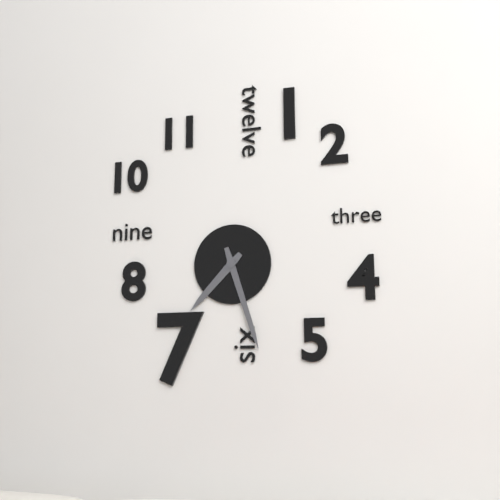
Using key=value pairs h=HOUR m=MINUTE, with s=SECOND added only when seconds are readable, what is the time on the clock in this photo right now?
h=7 m=27
